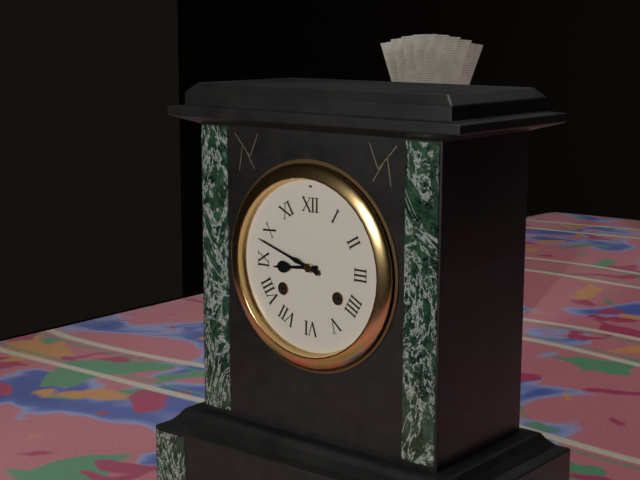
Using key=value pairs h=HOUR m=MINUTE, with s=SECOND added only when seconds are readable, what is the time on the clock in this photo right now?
h=8 m=48
